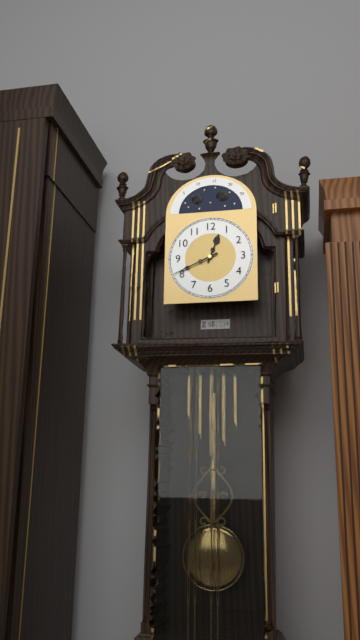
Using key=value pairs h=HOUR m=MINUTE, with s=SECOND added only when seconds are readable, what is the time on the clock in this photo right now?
h=12 m=41
